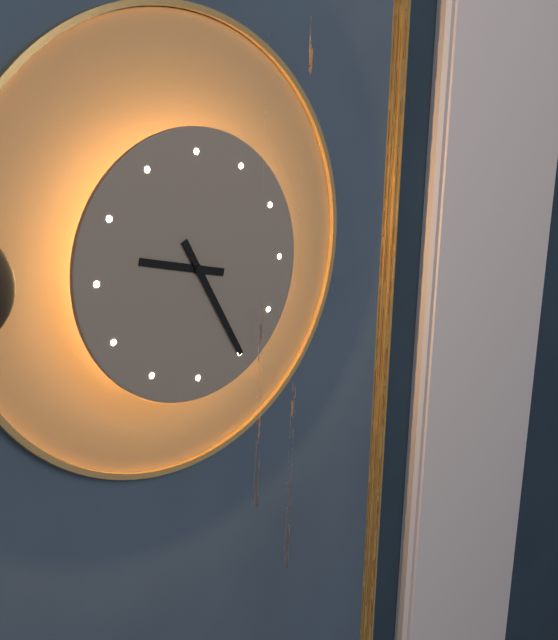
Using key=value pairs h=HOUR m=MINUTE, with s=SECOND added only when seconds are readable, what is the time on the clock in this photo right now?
h=9 m=25
